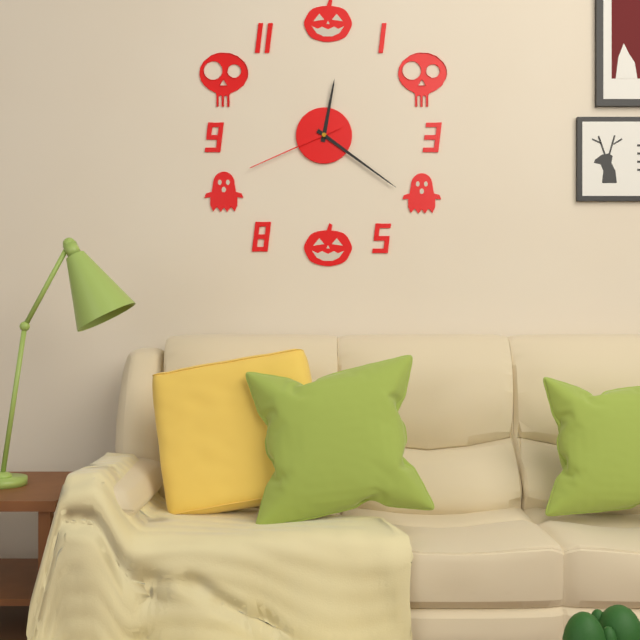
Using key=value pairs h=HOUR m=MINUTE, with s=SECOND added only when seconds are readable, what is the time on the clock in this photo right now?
h=12 m=21 s=41
